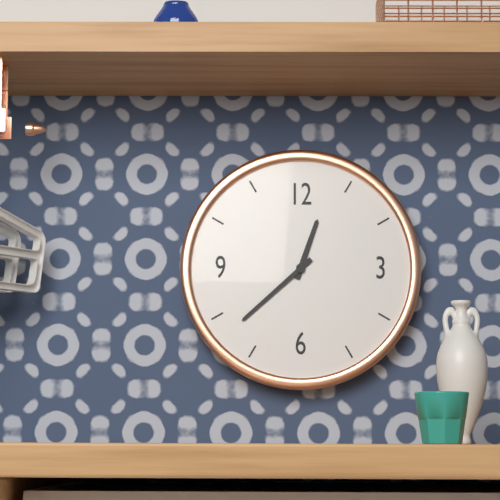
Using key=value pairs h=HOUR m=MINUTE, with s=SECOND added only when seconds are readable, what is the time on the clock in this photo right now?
h=12 m=38
